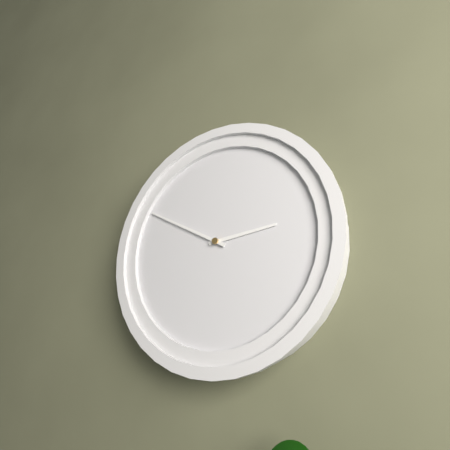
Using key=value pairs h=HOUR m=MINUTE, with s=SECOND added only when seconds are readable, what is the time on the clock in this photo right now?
h=2 m=50
